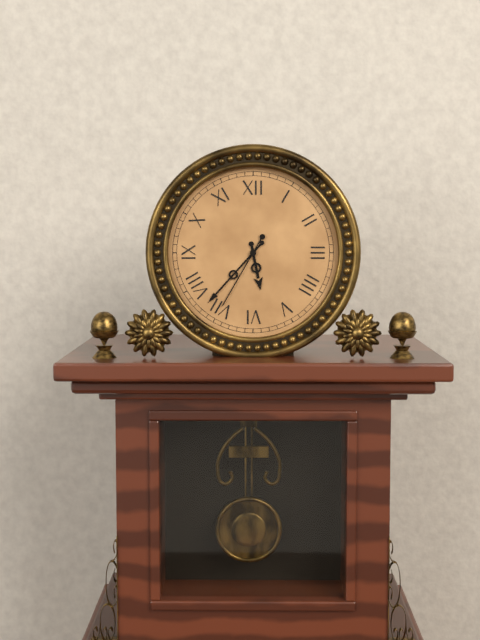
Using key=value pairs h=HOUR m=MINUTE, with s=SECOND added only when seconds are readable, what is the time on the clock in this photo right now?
h=5 m=37 s=35
